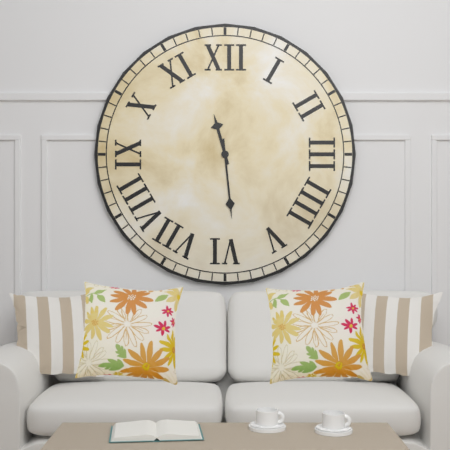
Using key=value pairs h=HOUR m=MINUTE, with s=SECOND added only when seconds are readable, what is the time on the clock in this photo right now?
h=11 m=29
